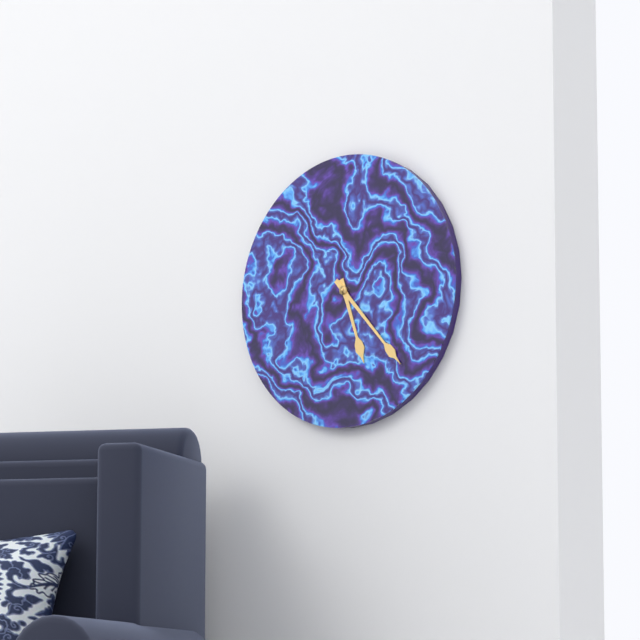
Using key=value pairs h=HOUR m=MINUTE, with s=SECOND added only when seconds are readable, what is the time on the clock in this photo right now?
h=5 m=23
